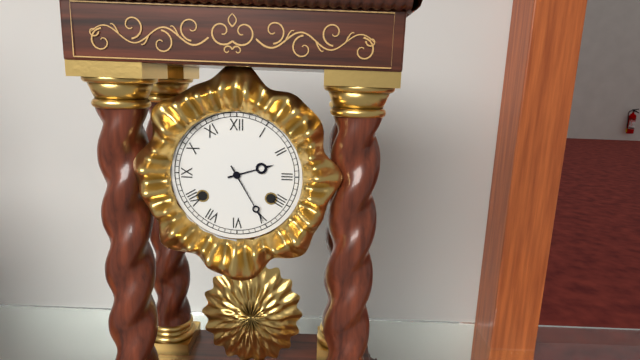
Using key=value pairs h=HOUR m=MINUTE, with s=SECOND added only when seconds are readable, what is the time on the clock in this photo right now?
h=2 m=25
